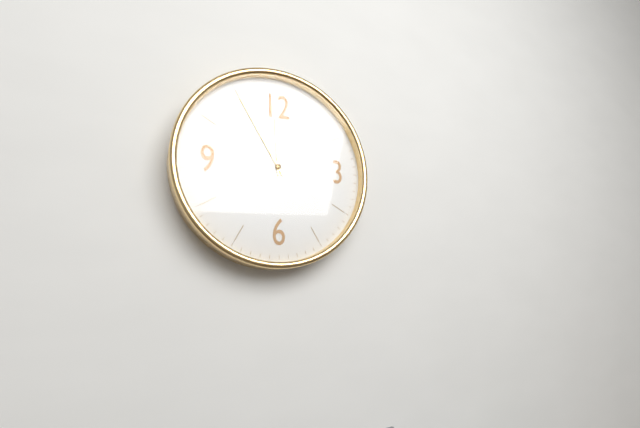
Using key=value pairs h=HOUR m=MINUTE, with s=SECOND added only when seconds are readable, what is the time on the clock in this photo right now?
h=11 m=55
